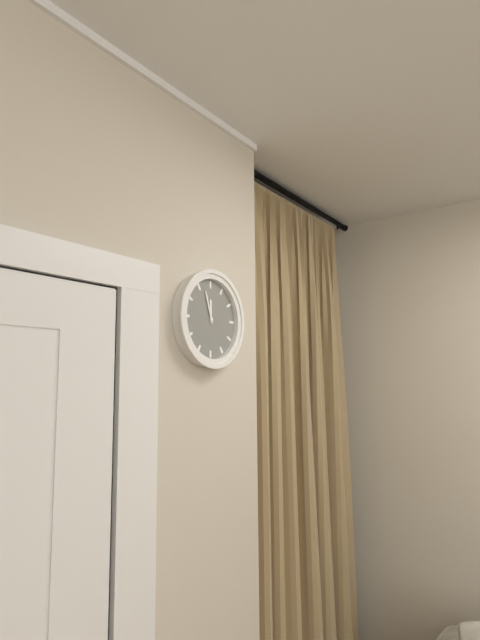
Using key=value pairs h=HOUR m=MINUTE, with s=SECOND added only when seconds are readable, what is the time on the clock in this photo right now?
h=11 m=57
